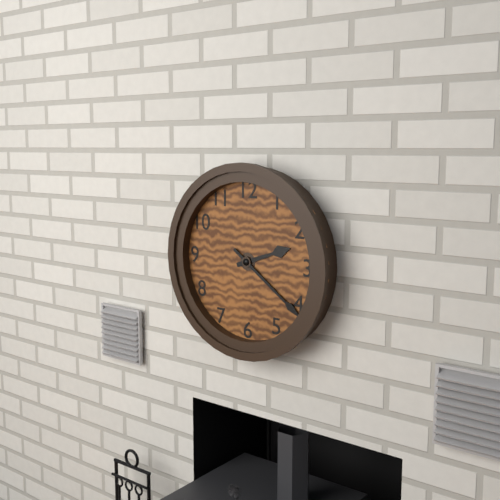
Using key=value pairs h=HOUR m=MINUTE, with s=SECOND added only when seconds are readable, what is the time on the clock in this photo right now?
h=2 m=21
